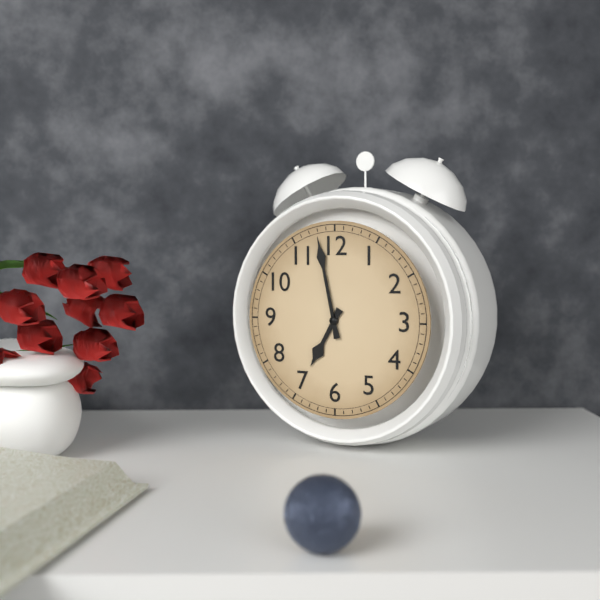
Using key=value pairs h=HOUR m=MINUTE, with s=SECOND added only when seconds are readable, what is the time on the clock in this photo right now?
h=6 m=58
